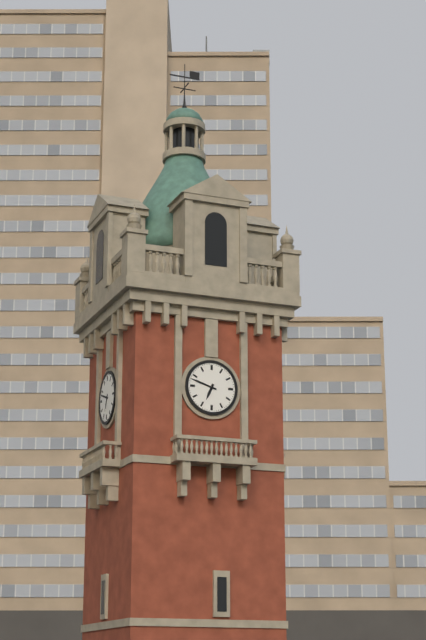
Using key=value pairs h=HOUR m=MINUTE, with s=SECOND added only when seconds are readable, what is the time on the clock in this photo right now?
h=6 m=48
